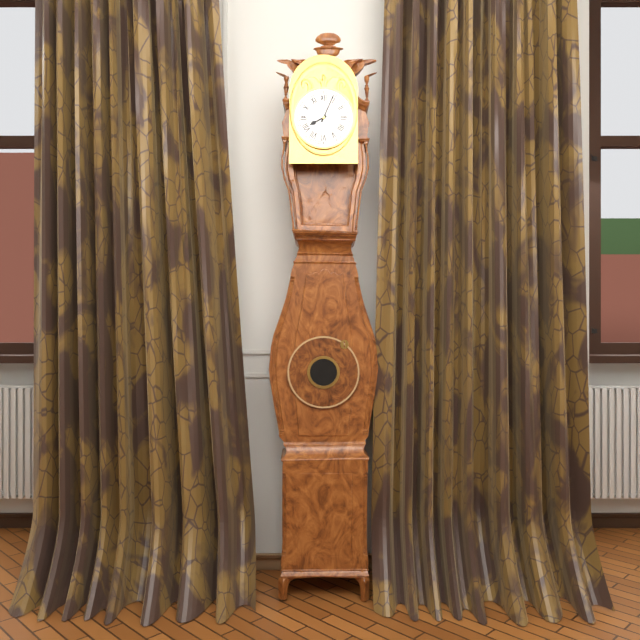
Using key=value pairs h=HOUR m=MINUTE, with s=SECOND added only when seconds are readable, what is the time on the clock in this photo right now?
h=8 m=4
